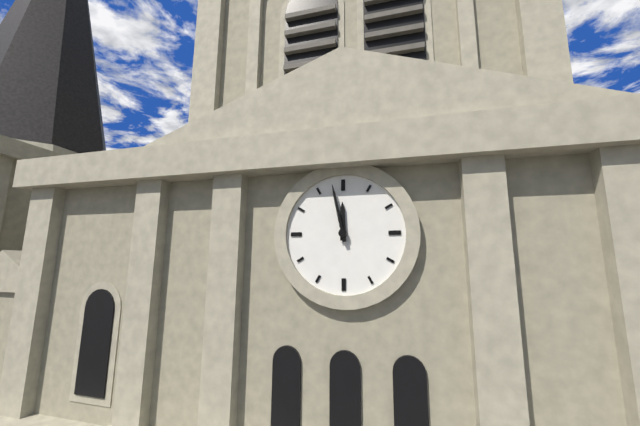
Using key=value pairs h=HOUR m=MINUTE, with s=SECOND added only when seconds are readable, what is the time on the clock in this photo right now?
h=11 m=58
